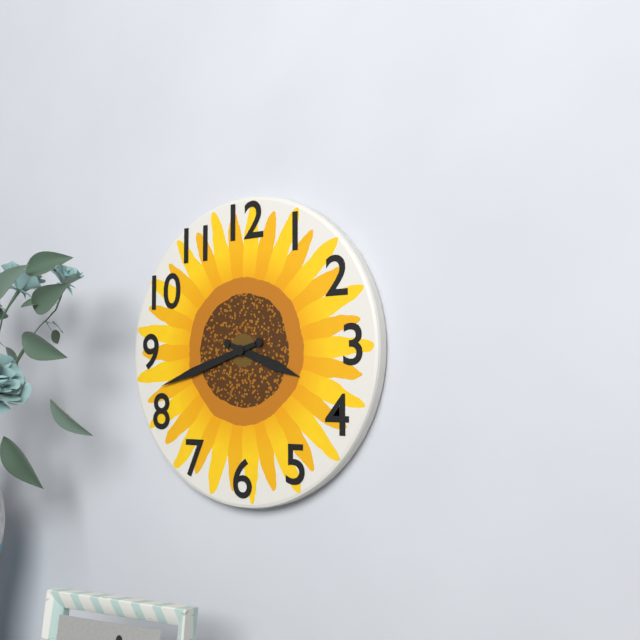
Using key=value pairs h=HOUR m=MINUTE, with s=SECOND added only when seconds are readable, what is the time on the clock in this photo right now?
h=3 m=42
